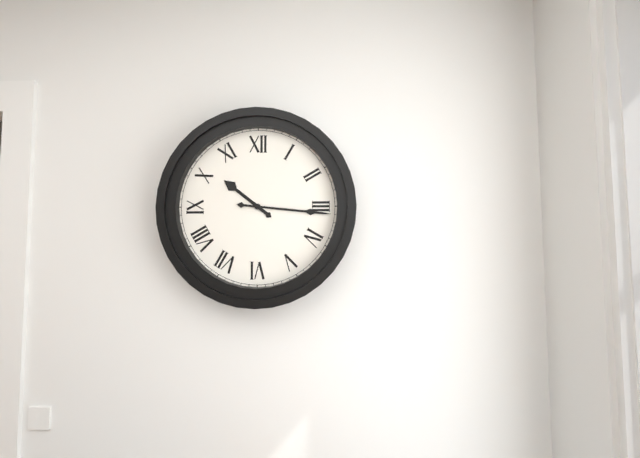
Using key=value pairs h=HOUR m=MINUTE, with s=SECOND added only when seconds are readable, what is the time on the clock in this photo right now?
h=10 m=16
